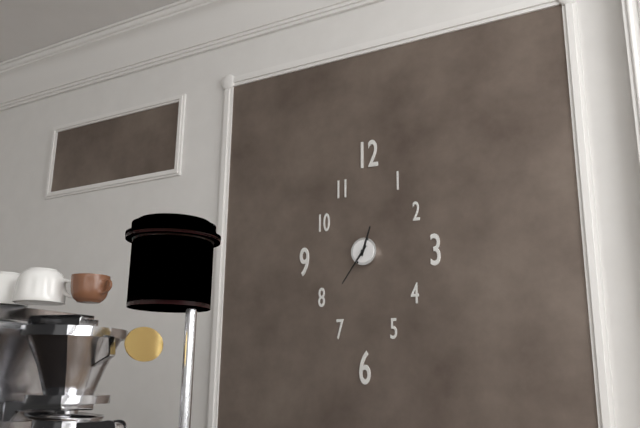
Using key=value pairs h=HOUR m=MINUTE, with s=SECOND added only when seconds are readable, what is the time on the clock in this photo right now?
h=12 m=36
